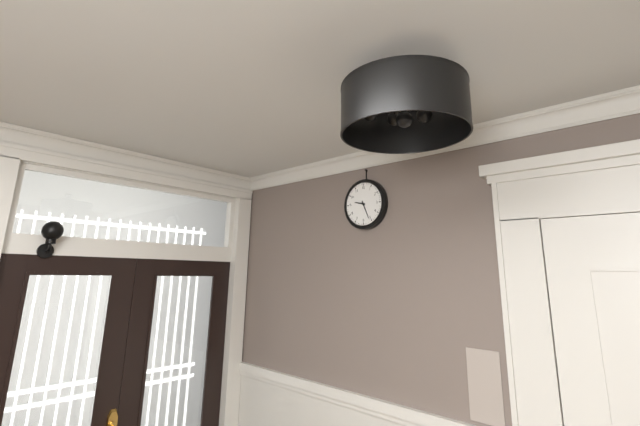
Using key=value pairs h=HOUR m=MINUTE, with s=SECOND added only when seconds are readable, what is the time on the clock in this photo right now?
h=9 m=26
